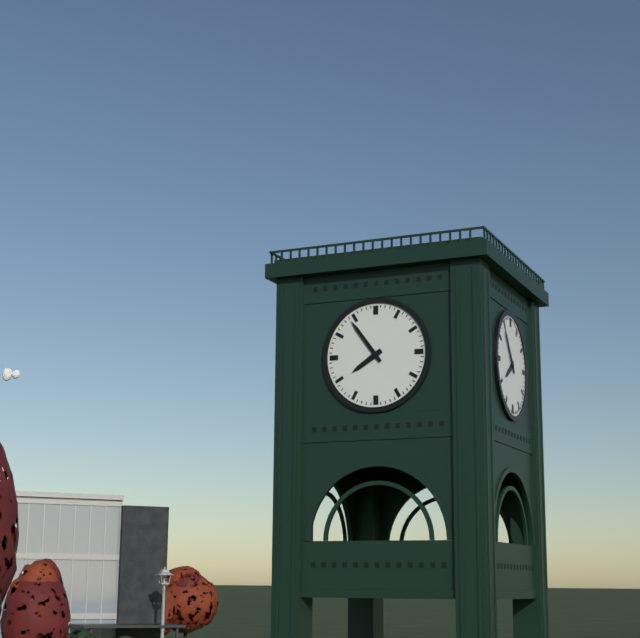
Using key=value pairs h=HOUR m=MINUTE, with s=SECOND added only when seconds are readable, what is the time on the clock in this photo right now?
h=7 m=54
